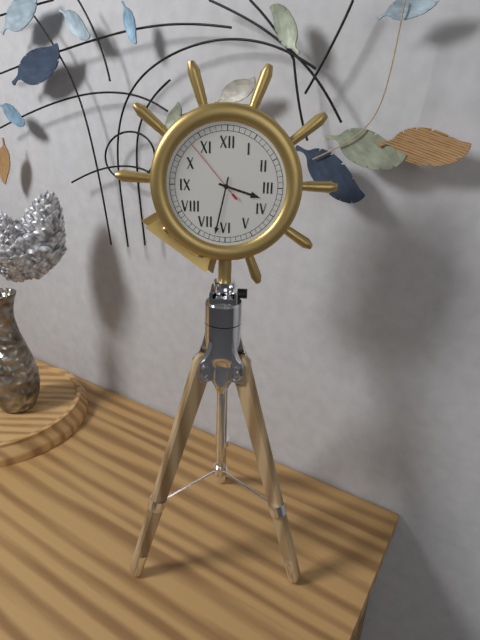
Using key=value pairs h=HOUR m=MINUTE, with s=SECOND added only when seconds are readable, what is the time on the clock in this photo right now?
h=3 m=32 s=53
